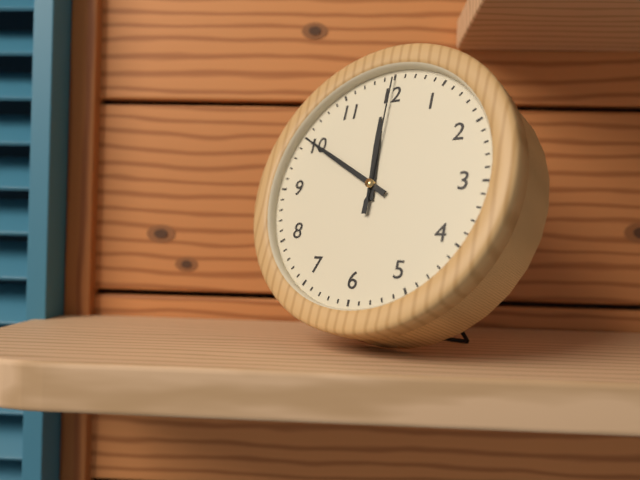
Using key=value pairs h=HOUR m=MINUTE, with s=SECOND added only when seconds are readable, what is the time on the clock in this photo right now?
h=11 m=50 s=0
